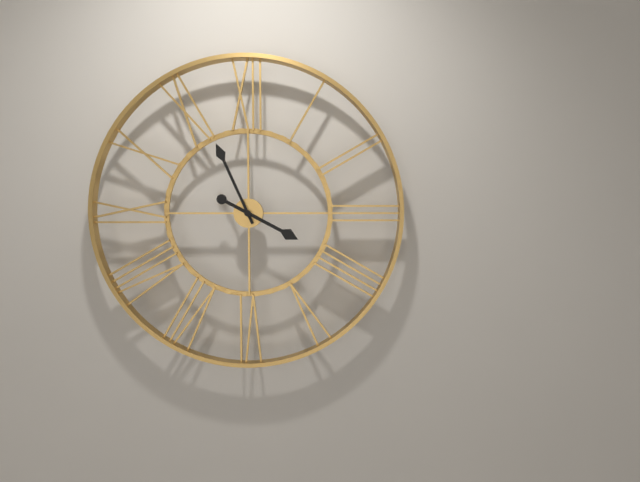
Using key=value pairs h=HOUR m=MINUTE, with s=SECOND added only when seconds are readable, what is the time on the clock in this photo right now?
h=3 m=56
